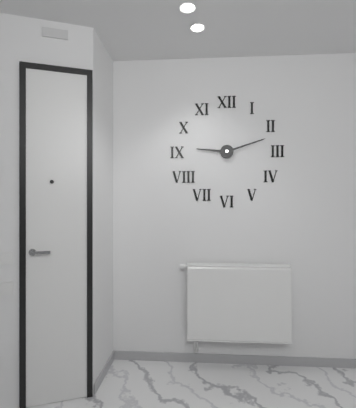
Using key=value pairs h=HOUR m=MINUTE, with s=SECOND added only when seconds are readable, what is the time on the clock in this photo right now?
h=9 m=12
